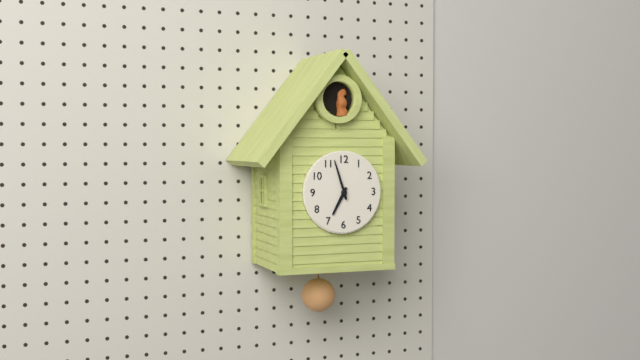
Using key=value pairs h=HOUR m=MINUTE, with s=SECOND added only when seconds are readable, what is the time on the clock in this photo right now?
h=6 m=57
